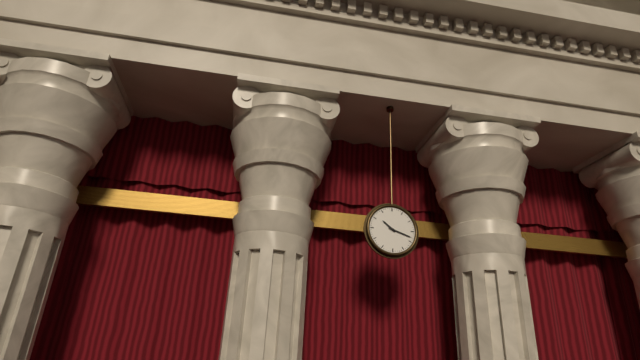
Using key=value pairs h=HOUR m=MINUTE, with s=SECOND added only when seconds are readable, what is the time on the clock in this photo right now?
h=10 m=18
